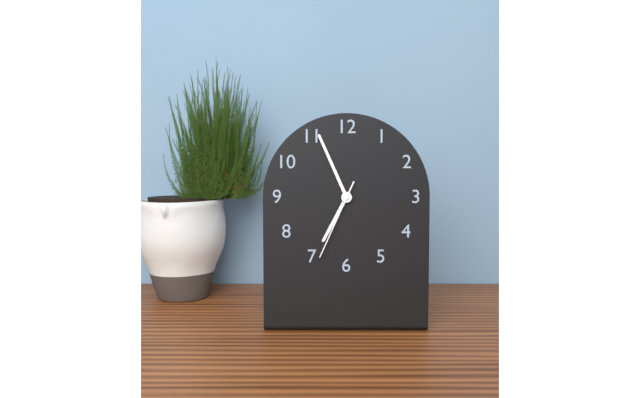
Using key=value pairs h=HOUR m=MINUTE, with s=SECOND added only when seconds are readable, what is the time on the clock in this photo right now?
h=6 m=56 s=34
